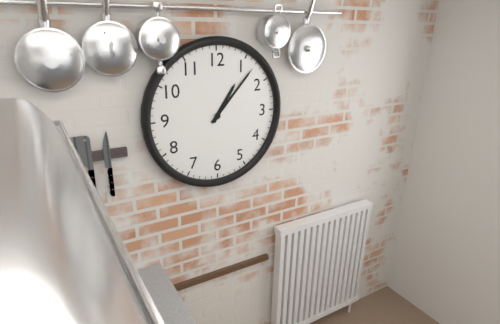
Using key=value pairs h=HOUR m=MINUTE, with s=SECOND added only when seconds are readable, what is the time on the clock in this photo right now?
h=1 m=7
